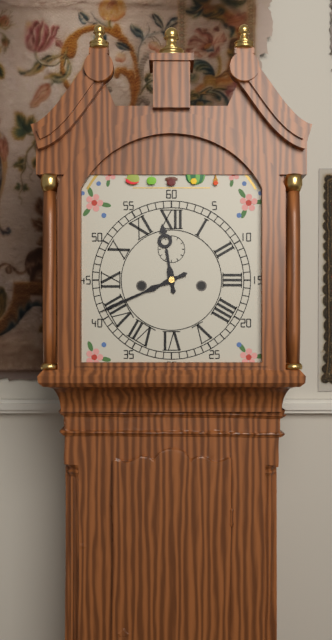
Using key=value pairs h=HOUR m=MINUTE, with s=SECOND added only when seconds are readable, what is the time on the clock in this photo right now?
h=11 m=41
